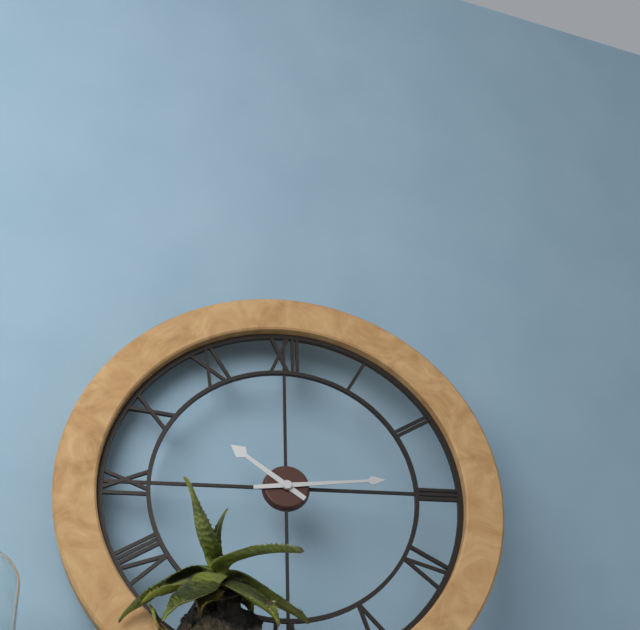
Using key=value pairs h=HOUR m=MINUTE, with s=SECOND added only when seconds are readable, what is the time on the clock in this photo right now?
h=10 m=14
